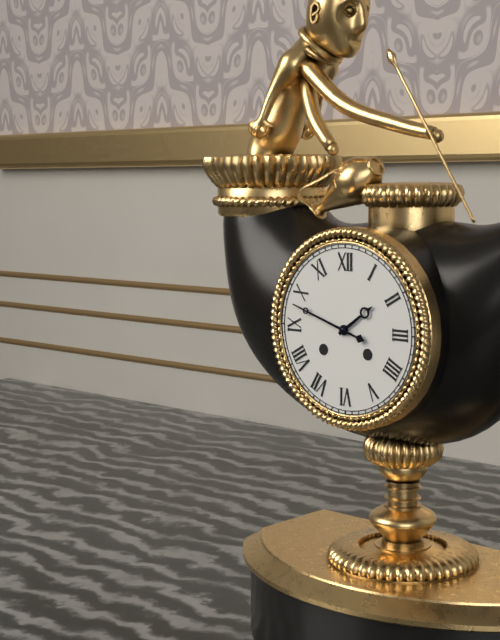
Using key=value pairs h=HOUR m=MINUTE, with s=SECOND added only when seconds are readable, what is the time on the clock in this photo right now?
h=1 m=48
